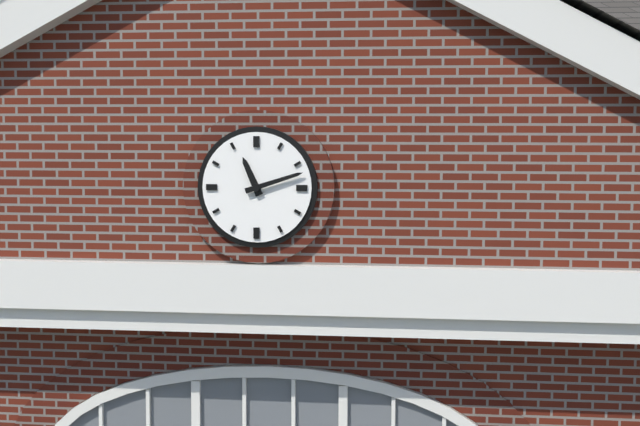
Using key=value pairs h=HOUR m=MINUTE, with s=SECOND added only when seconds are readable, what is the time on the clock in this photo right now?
h=11 m=12
